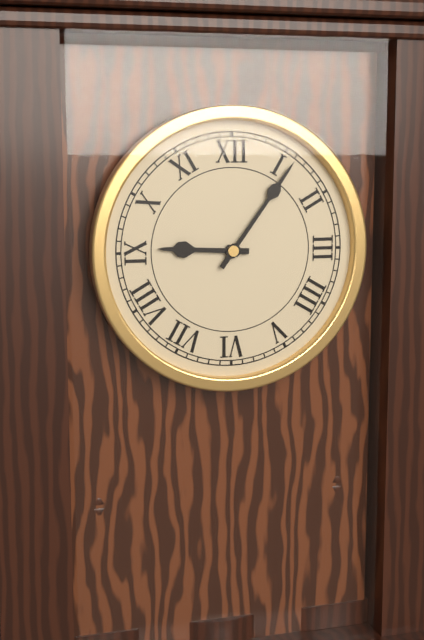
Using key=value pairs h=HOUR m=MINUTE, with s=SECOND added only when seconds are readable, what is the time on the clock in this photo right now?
h=9 m=6
